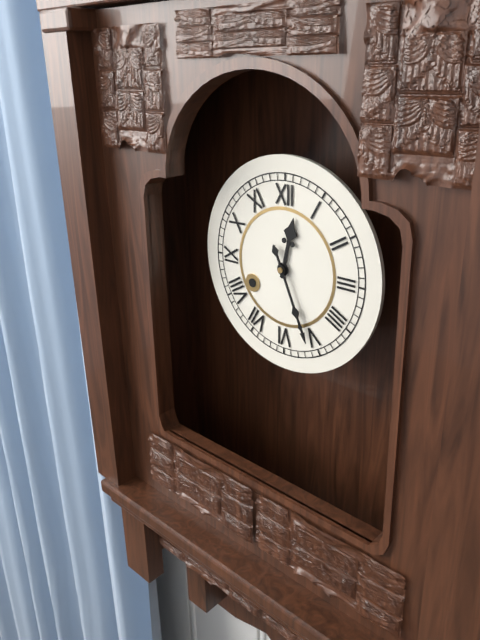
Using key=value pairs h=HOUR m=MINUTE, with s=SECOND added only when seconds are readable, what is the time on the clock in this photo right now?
h=12 m=26
